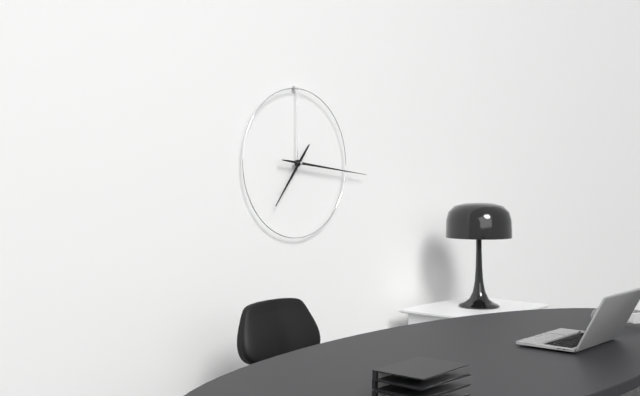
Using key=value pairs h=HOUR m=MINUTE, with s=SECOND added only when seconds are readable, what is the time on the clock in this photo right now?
h=7 m=16
